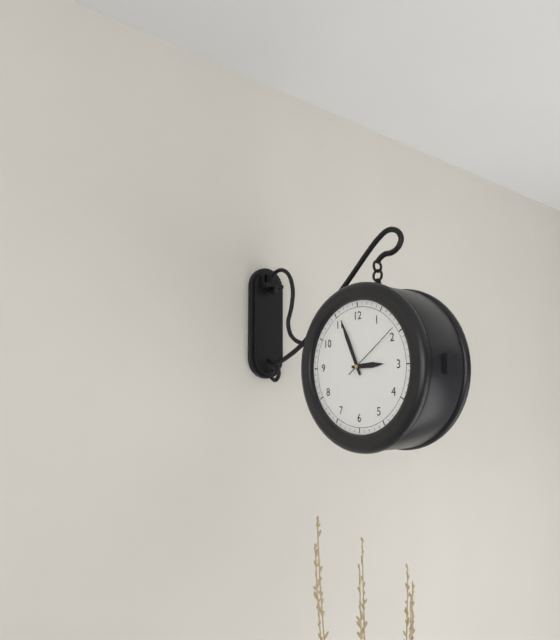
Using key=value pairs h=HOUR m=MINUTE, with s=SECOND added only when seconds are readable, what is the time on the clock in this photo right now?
h=2 m=56 s=9
